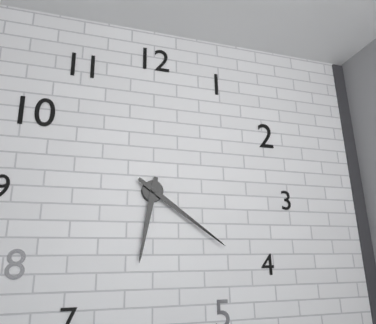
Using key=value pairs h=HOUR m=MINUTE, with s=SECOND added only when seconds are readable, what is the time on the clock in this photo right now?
h=6 m=21
